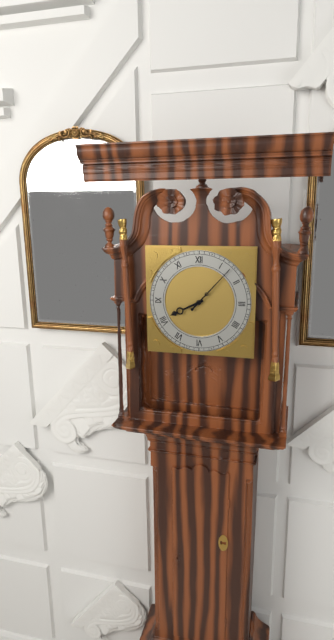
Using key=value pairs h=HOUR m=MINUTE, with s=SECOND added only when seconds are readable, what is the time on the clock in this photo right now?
h=8 m=7
